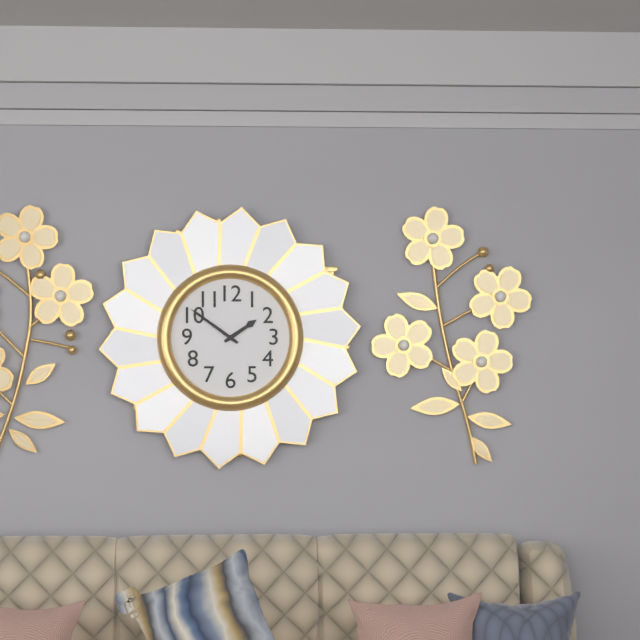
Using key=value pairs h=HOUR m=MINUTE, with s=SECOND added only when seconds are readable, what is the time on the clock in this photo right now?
h=1 m=51
